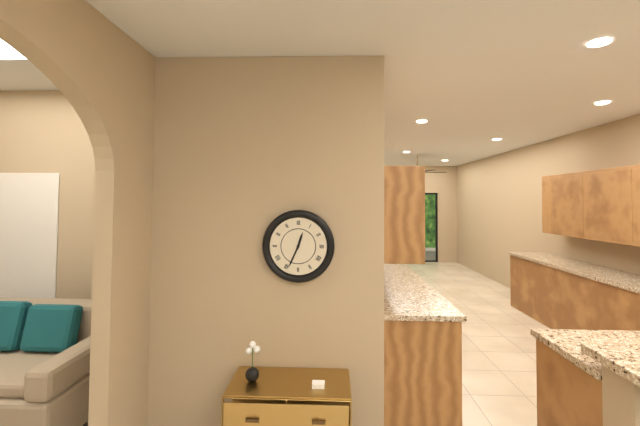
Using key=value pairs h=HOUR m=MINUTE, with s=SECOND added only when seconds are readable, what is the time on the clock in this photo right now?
h=12 m=34
